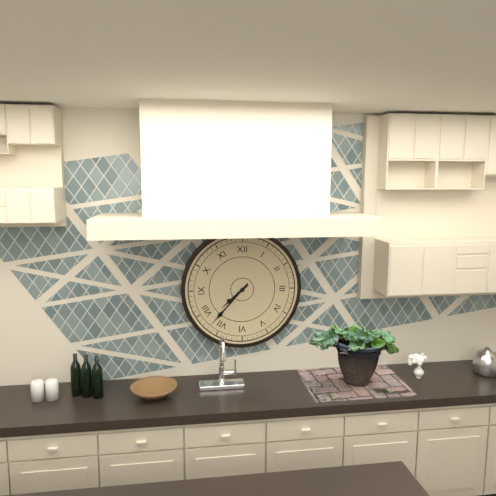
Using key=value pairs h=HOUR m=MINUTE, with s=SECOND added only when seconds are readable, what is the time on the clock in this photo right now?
h=7 m=37
